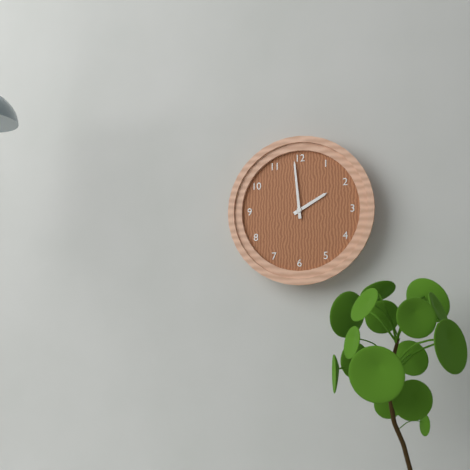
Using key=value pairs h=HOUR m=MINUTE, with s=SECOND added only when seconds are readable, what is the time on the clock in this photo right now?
h=1 m=59
